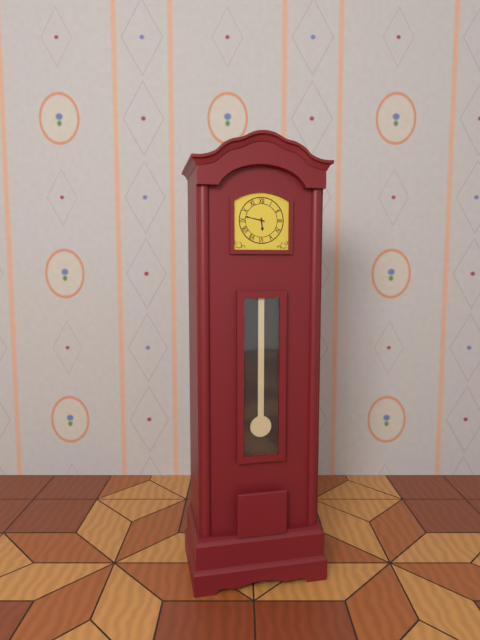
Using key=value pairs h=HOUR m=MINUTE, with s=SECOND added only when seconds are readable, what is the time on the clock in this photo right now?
h=5 m=47
